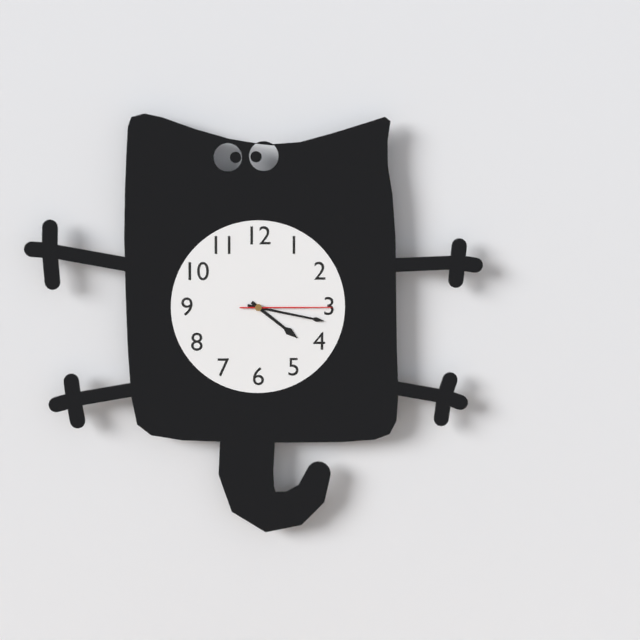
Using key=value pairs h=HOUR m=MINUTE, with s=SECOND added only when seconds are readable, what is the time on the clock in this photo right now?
h=4 m=17 s=15
